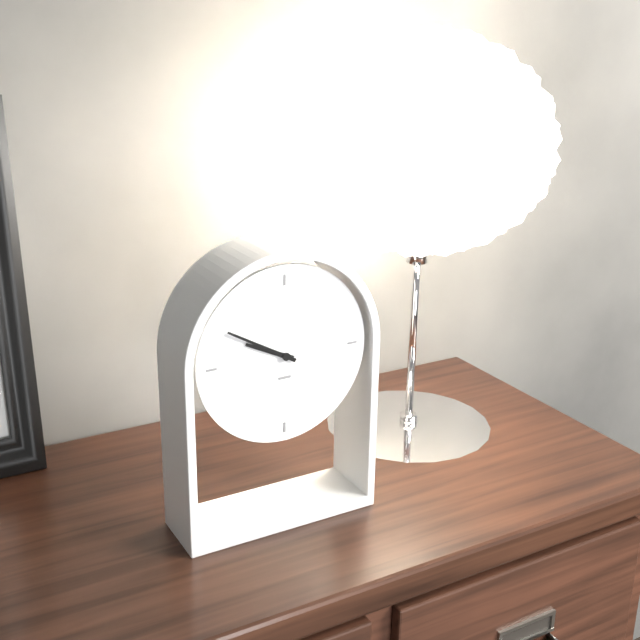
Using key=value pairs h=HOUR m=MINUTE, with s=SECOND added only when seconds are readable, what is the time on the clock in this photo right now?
h=9 m=50
